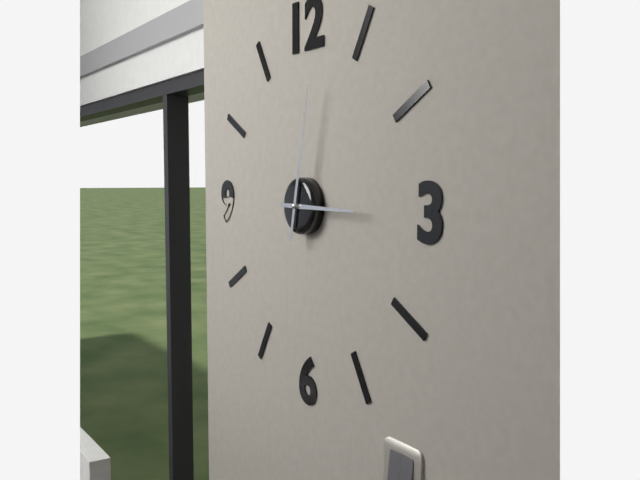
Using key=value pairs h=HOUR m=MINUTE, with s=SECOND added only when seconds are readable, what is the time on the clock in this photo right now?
h=3 m=2
